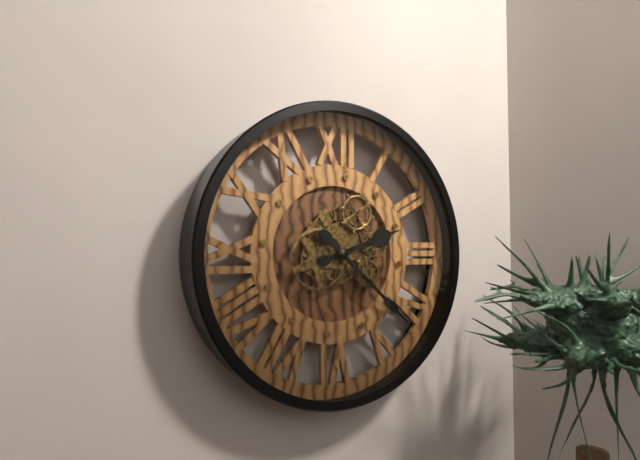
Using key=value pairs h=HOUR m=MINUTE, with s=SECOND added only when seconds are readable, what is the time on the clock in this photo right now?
h=2 m=22
